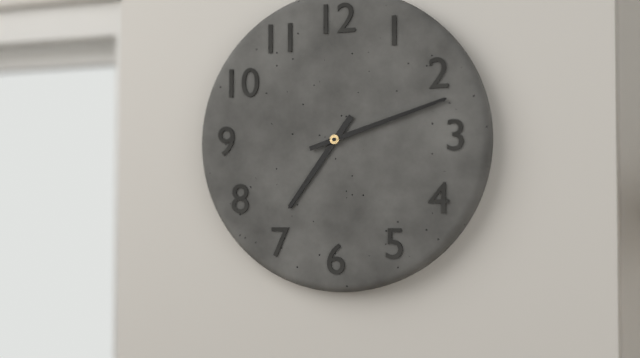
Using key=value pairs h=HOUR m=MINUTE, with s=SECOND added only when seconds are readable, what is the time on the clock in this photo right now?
h=7 m=12
